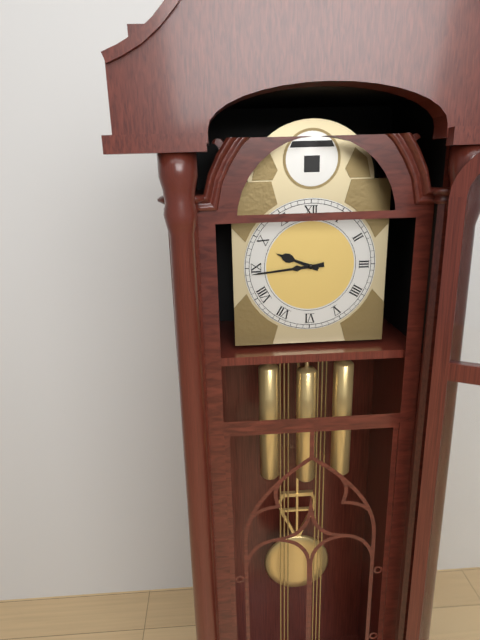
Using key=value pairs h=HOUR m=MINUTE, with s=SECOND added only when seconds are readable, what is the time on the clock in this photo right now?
h=9 m=44
